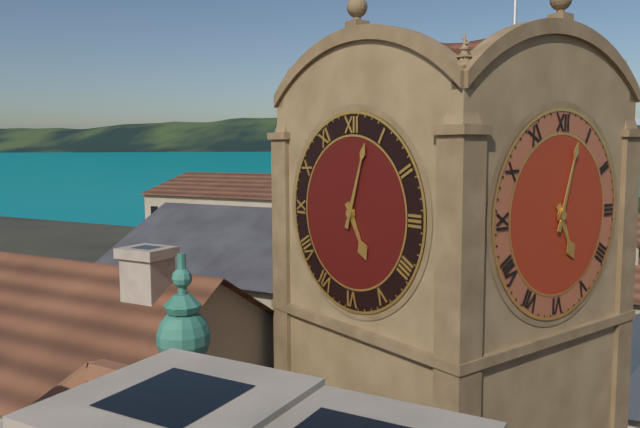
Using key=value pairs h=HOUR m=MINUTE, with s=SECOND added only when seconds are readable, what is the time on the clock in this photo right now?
h=5 m=3
